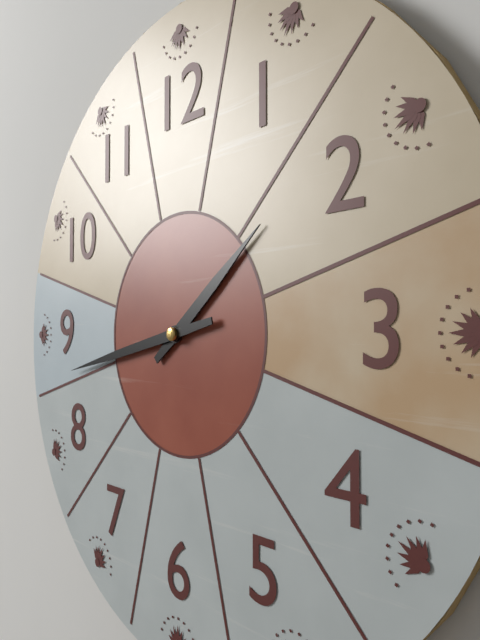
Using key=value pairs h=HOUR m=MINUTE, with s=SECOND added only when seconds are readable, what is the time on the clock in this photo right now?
h=1 m=43
